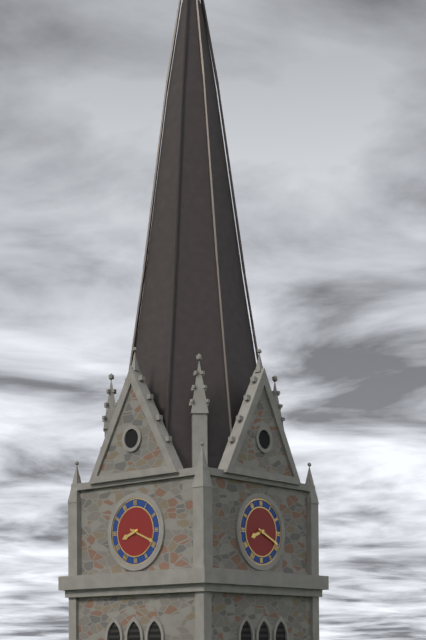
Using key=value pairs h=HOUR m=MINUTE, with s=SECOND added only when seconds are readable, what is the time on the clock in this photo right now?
h=8 m=19
